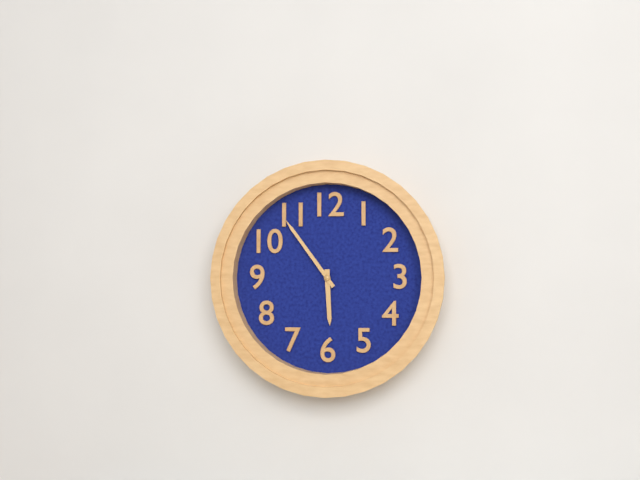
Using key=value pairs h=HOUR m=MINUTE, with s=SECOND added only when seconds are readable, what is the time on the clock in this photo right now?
h=5 m=54
